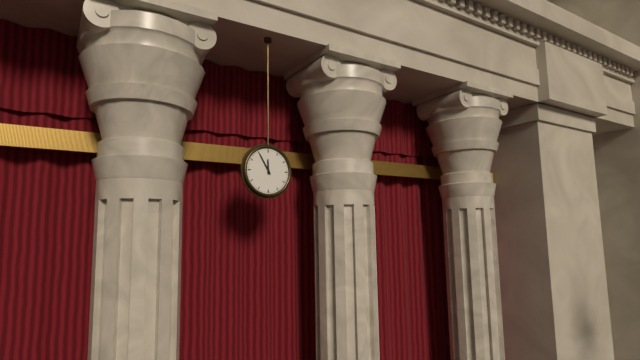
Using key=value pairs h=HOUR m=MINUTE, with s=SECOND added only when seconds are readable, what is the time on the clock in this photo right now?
h=11 m=55
